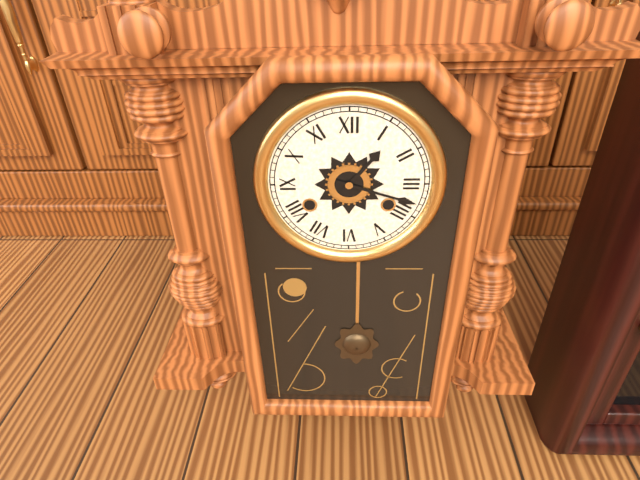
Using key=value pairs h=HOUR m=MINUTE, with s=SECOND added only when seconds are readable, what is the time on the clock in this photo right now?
h=1 m=18
